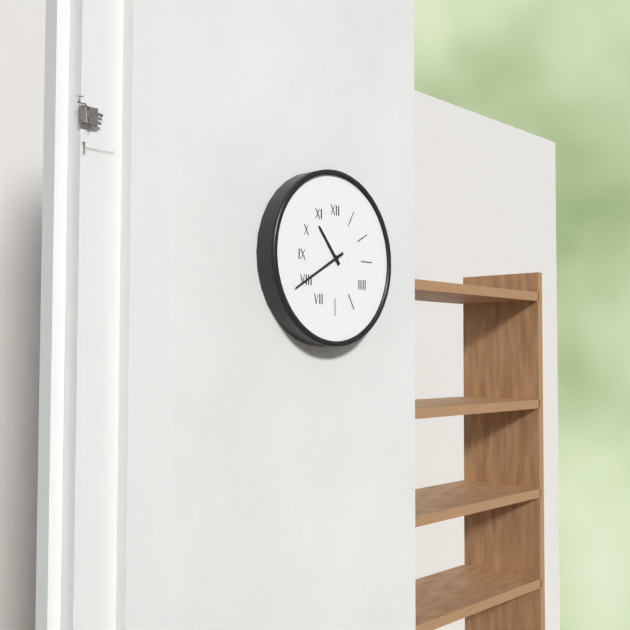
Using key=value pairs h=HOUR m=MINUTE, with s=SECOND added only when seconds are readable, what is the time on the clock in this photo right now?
h=10 m=40
